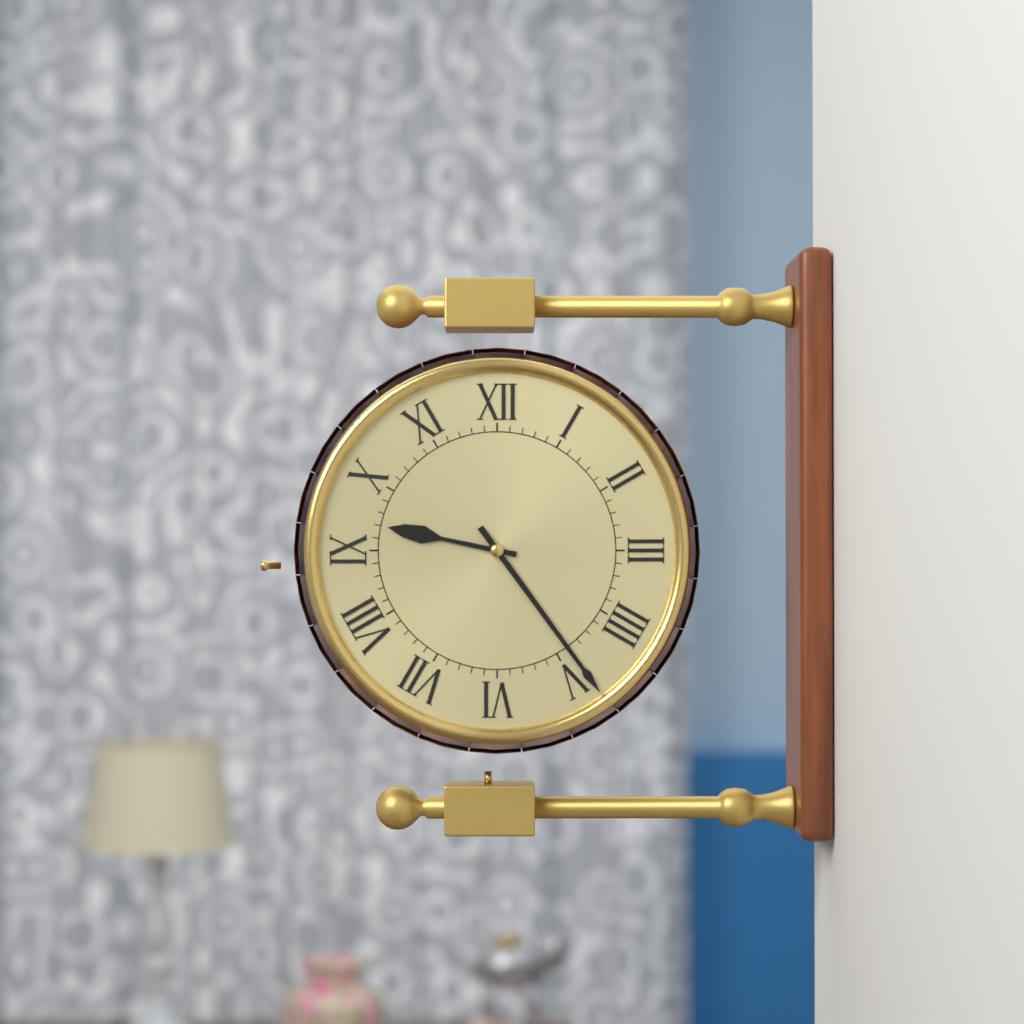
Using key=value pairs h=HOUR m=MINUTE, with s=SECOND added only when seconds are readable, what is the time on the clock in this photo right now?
h=9 m=24
